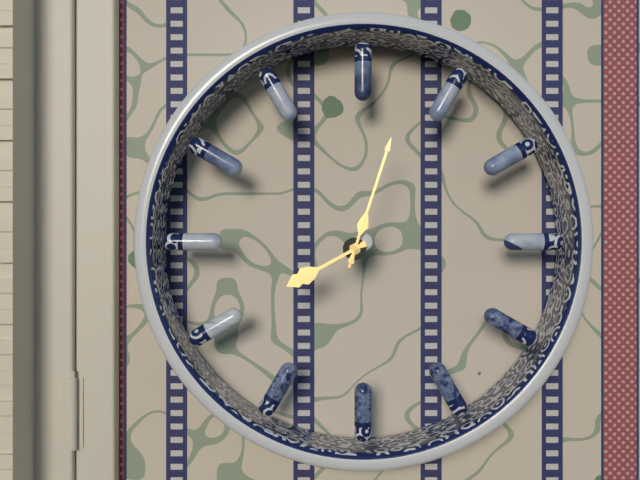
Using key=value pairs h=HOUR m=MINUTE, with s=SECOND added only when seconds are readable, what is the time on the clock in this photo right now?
h=8 m=3 s=3
